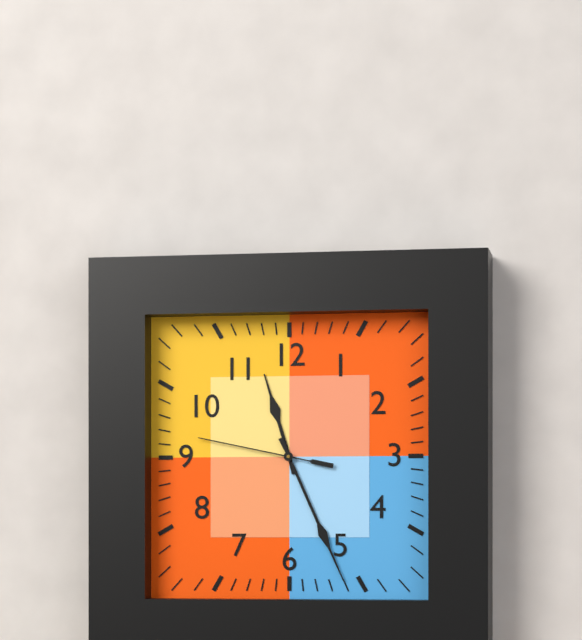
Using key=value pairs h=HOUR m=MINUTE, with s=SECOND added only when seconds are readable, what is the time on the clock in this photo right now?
h=11 m=26 s=47
